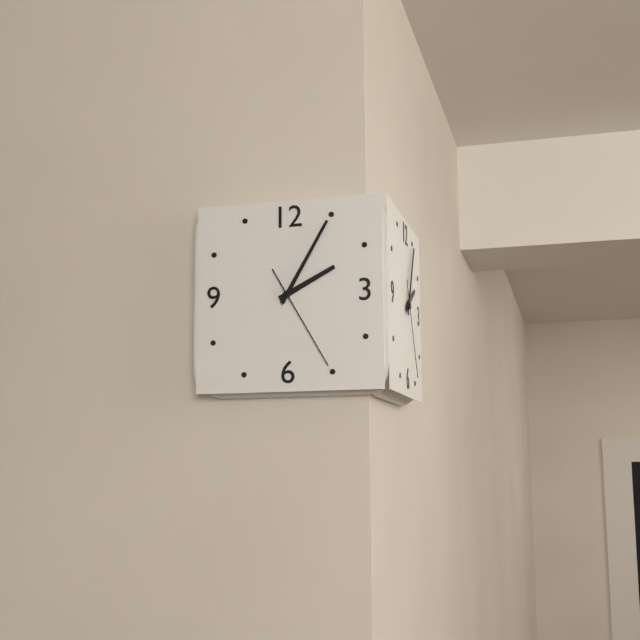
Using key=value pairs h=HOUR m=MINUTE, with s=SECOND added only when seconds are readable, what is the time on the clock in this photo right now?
h=2 m=5 s=25
